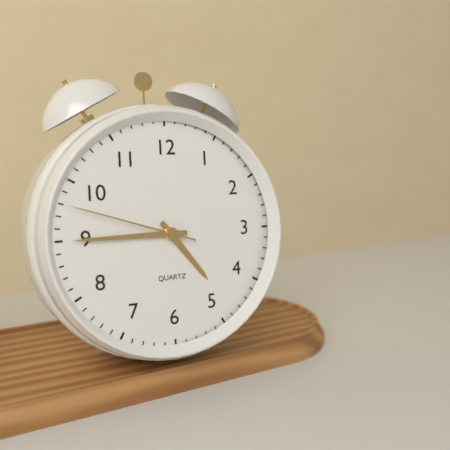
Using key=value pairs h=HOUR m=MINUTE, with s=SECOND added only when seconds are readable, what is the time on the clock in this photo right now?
h=4 m=45 s=48
